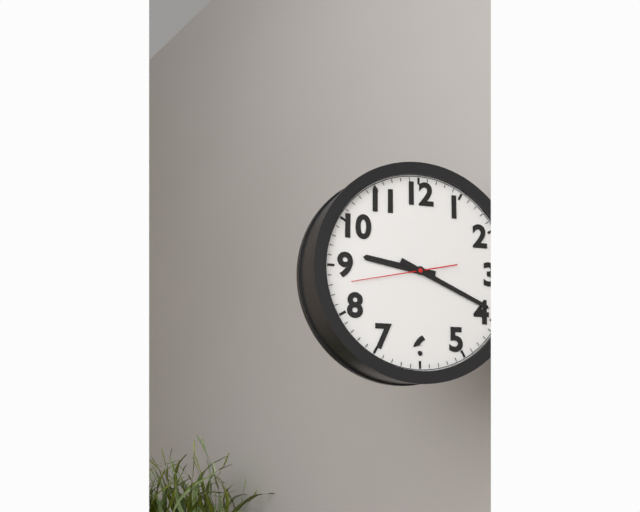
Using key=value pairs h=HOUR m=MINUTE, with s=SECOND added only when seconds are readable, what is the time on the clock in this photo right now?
h=9 m=19 s=43
